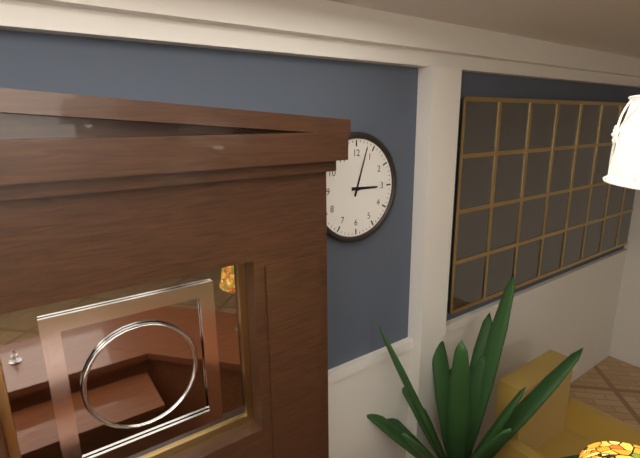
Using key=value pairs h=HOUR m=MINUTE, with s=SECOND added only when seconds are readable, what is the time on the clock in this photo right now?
h=3 m=3
